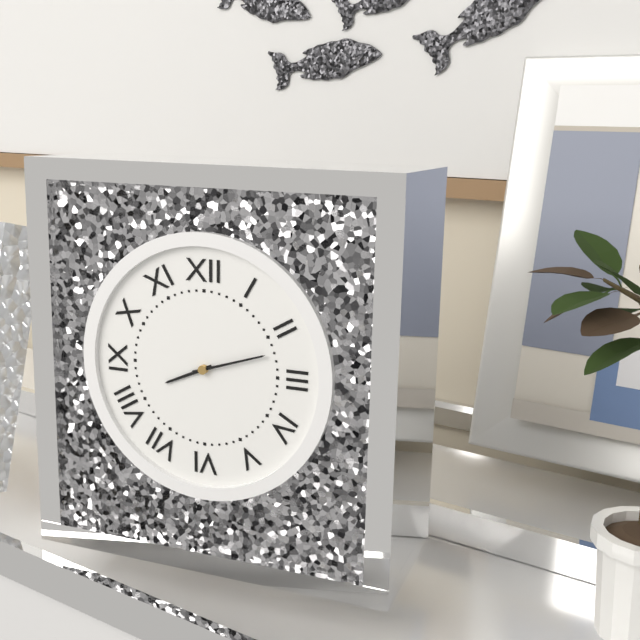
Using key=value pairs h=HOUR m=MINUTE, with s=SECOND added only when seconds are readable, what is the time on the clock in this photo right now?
h=8 m=12
